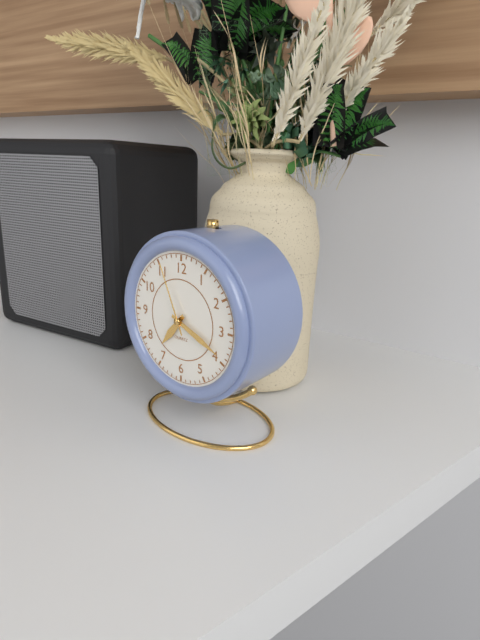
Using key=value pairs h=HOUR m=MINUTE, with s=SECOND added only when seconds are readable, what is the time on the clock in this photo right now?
h=7 m=19 s=56
